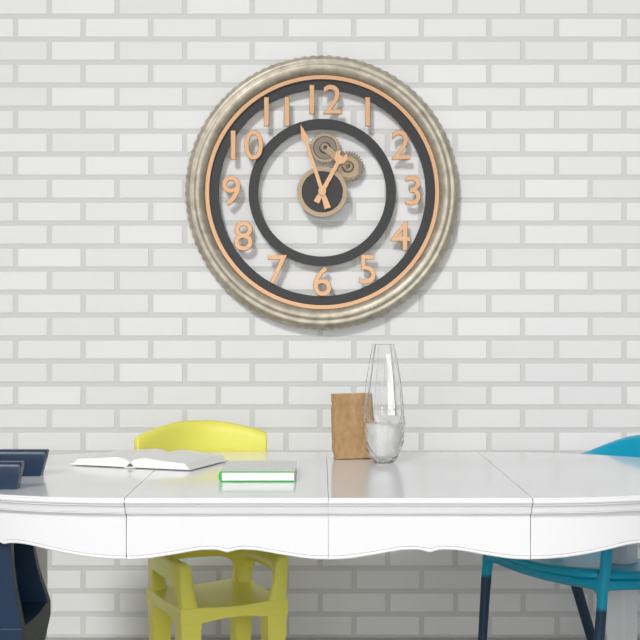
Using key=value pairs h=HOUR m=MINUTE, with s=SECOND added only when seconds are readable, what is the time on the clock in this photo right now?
h=12 m=57
